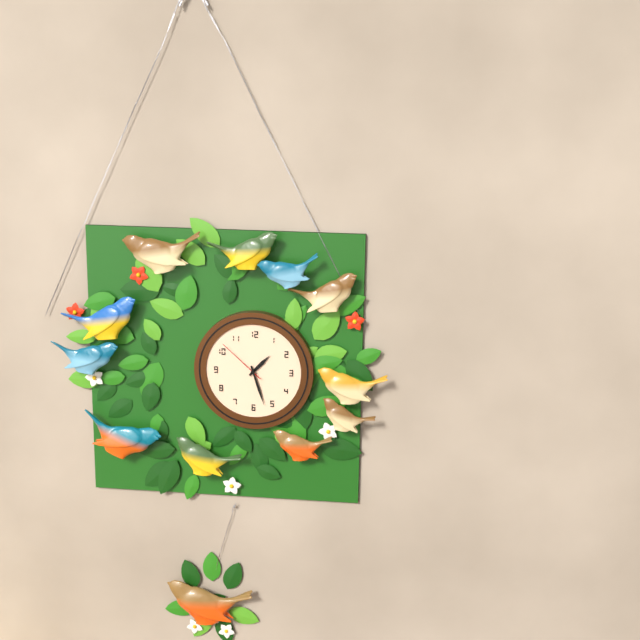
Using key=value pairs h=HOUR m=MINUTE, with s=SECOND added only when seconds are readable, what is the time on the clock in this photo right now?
h=1 m=27 s=52
